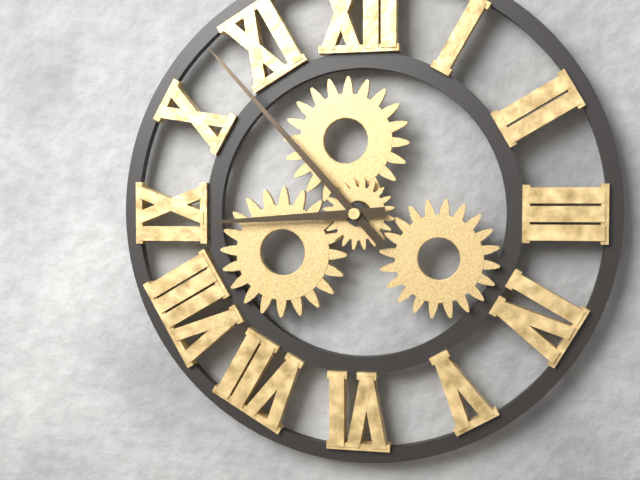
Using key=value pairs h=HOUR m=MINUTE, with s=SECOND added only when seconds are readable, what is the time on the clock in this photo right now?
h=8 m=53
